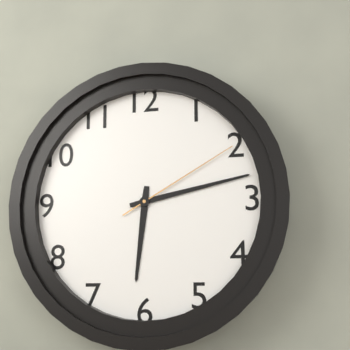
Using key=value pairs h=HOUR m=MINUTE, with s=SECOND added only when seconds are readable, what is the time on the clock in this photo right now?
h=6 m=13 s=10
